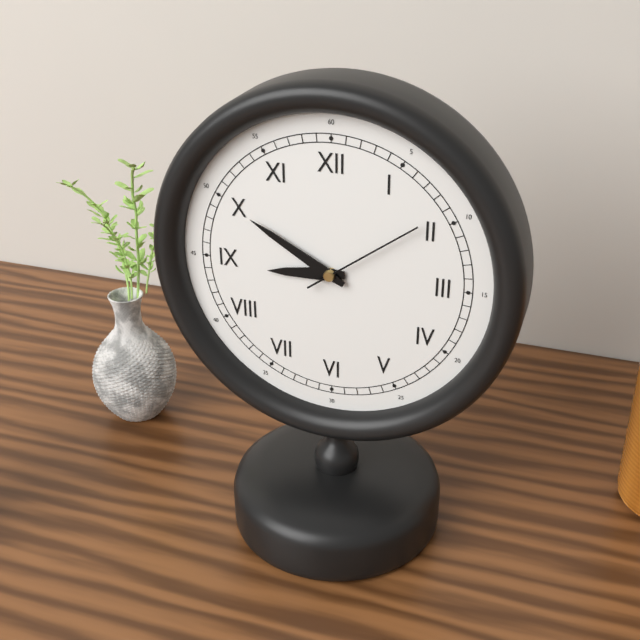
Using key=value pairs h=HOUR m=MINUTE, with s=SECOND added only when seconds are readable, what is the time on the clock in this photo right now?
h=8 m=50 s=9
